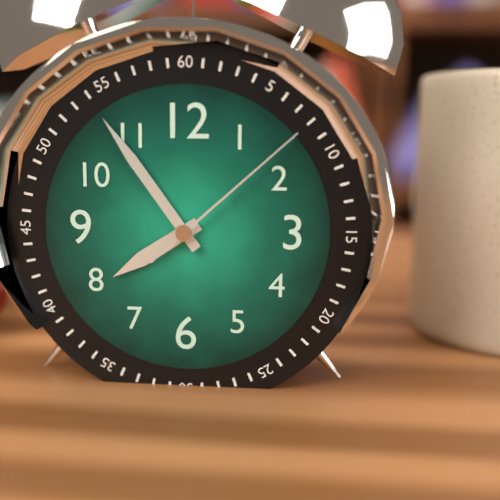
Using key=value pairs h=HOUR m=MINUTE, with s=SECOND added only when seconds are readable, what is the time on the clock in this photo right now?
h=7 m=54 s=8
